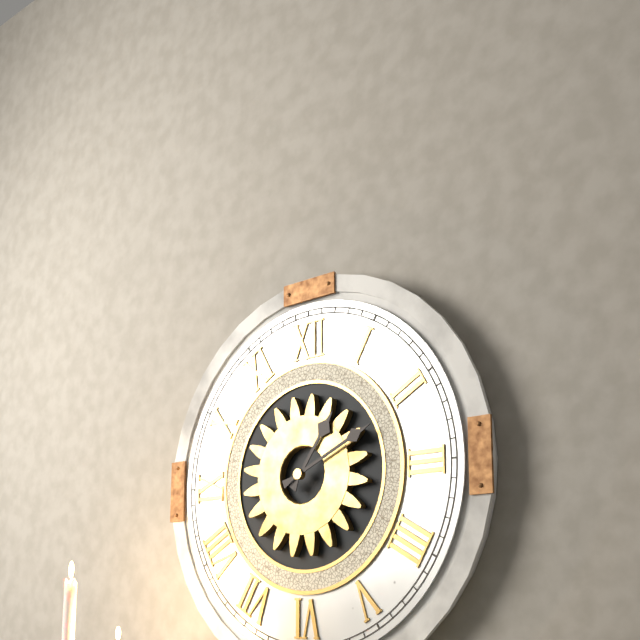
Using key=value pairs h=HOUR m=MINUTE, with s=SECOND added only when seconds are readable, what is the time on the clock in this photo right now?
h=1 m=11
